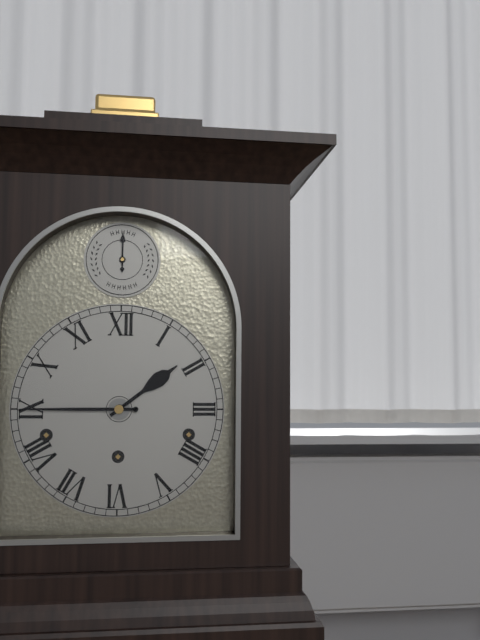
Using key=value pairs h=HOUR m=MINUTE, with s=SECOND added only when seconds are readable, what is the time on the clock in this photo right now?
h=1 m=45
